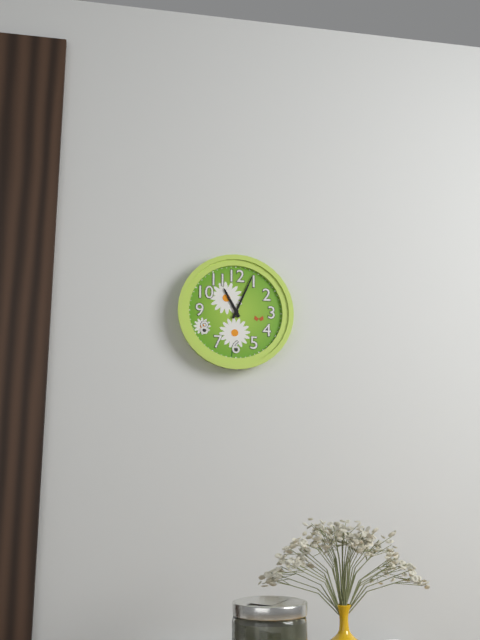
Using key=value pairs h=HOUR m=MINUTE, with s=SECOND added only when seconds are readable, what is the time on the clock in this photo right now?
h=11 m=4
